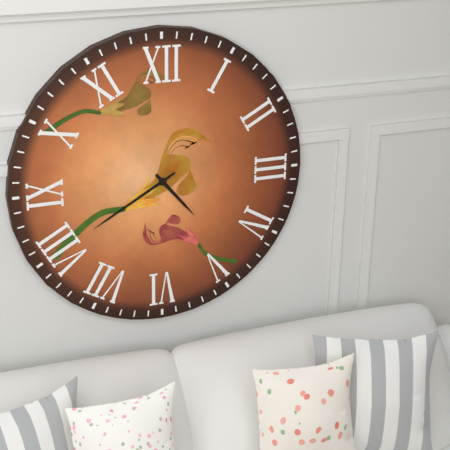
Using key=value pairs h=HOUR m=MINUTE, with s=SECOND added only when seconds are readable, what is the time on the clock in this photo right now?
h=4 m=40
